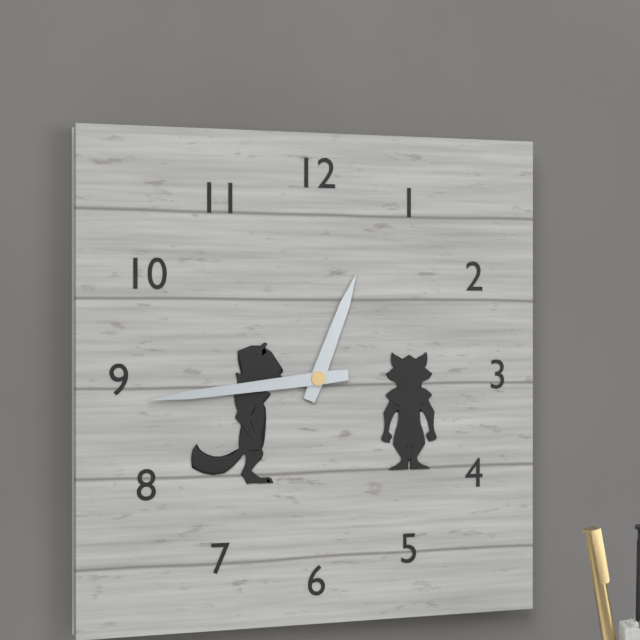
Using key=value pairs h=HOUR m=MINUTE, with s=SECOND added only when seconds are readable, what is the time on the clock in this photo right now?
h=12 m=44
